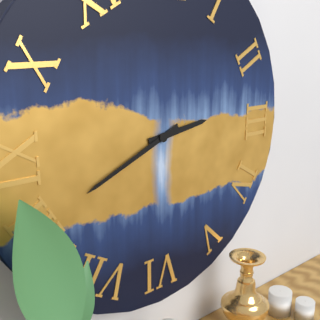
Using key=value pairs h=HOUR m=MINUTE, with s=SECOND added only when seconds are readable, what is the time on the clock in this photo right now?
h=2 m=41
